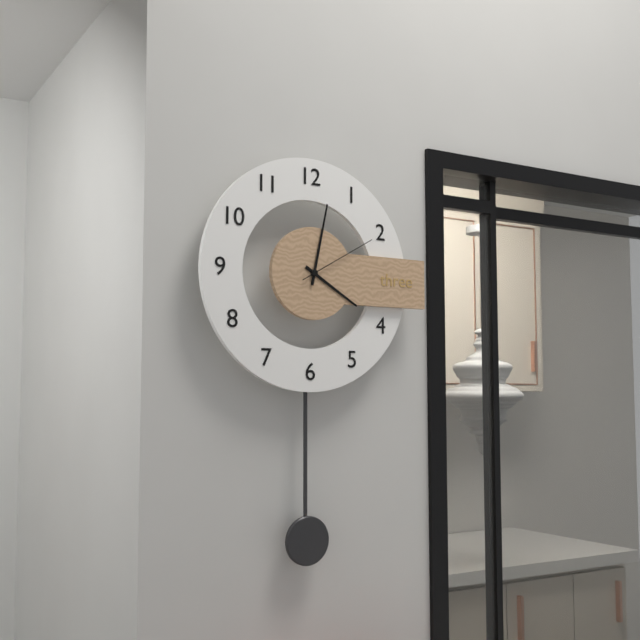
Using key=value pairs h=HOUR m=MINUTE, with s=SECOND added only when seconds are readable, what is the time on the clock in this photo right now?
h=4 m=2 s=10
